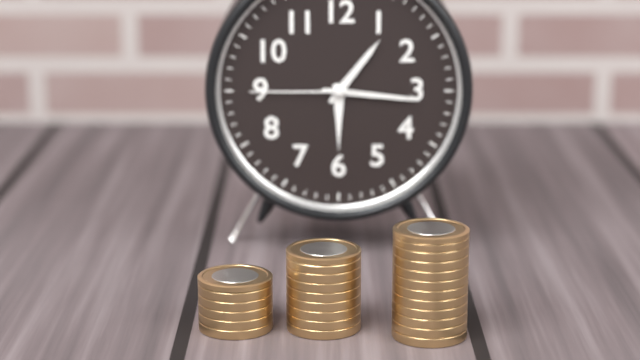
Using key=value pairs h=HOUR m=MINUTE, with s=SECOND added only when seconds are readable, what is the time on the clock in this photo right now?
h=1 m=16 s=45
